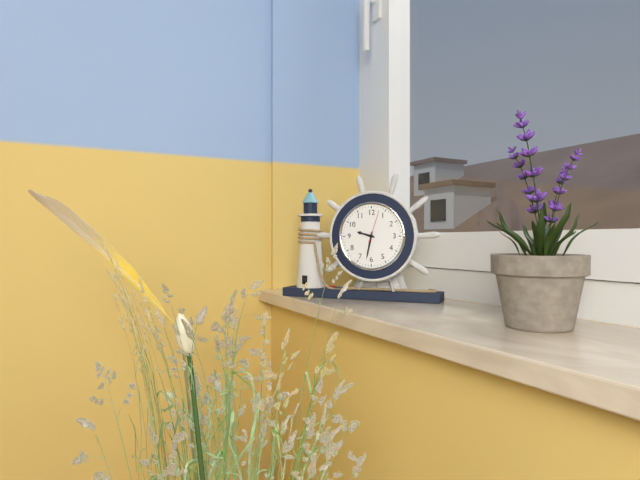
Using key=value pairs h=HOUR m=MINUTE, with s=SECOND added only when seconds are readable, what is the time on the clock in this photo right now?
h=9 m=32
